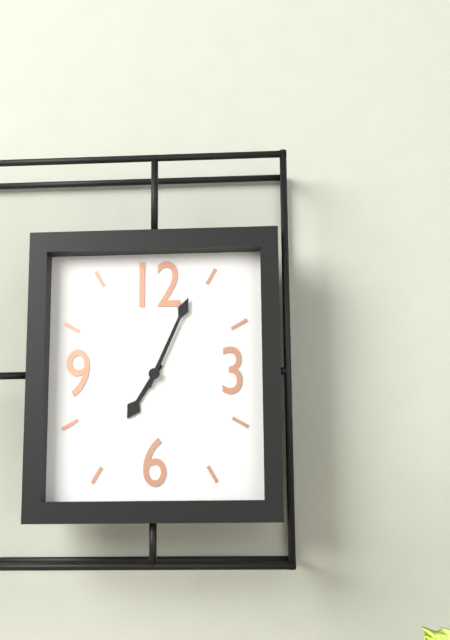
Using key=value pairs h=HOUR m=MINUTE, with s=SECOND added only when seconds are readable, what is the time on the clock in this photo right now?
h=7 m=4
